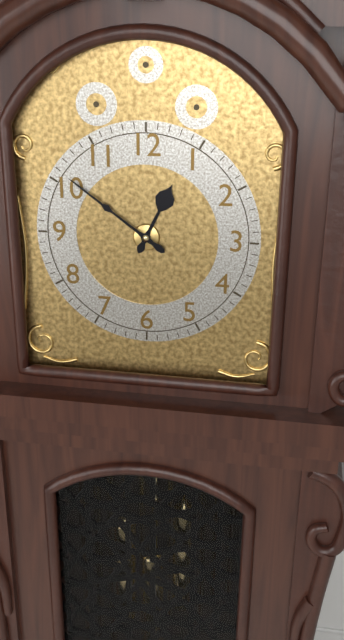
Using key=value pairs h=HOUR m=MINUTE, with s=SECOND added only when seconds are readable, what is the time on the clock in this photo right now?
h=12 m=51
